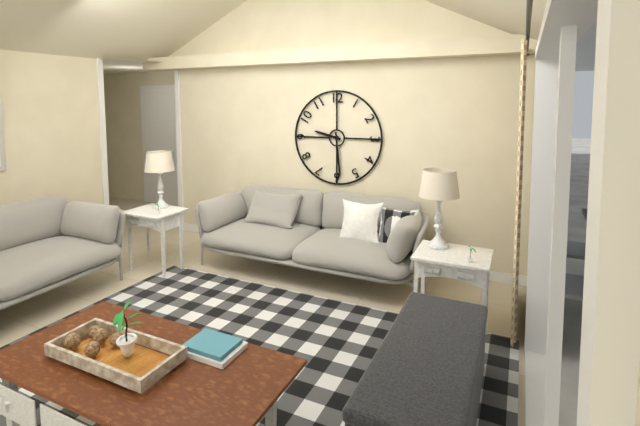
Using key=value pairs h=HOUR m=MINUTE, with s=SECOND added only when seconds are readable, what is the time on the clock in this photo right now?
h=9 m=29
